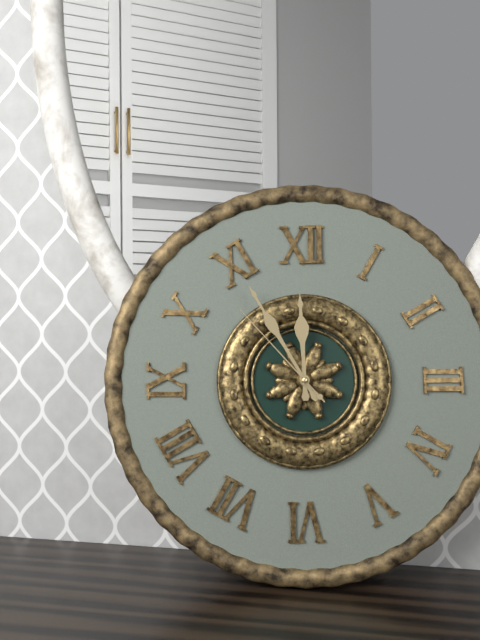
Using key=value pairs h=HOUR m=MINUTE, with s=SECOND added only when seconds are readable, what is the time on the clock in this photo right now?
h=11 m=55 s=53
